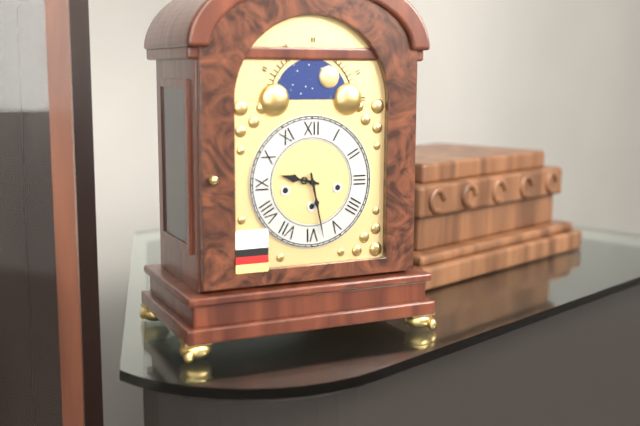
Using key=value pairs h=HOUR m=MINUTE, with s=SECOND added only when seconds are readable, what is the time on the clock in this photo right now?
h=9 m=28
